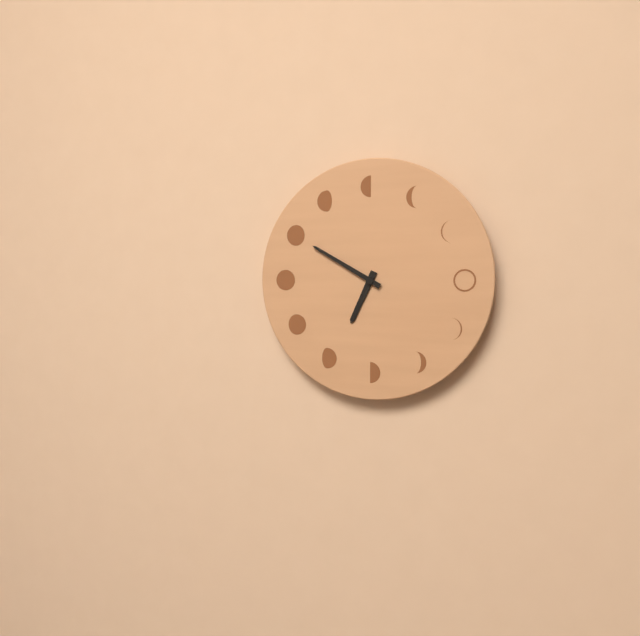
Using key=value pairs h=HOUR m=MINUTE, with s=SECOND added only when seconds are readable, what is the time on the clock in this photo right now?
h=6 m=50
